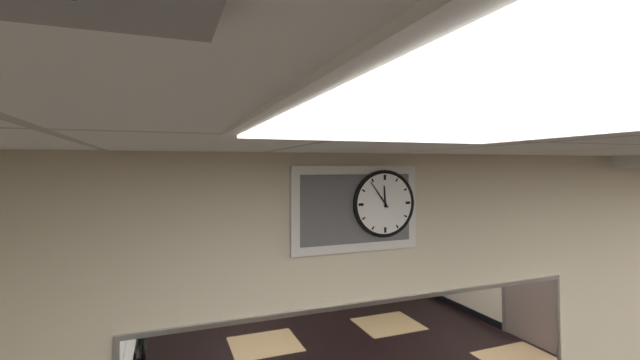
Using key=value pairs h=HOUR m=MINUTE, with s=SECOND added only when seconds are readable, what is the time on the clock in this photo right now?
h=11 m=54
